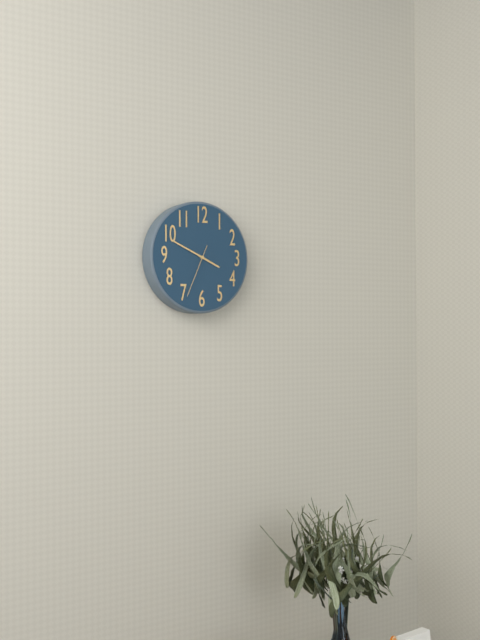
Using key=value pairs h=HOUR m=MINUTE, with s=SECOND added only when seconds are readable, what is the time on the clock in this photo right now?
h=3 m=49 s=34
